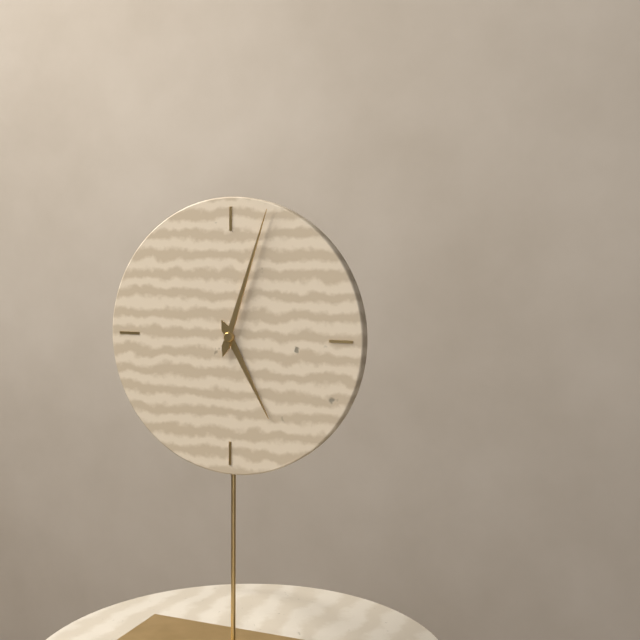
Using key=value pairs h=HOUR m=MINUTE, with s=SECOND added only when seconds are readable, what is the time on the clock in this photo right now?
h=5 m=3
